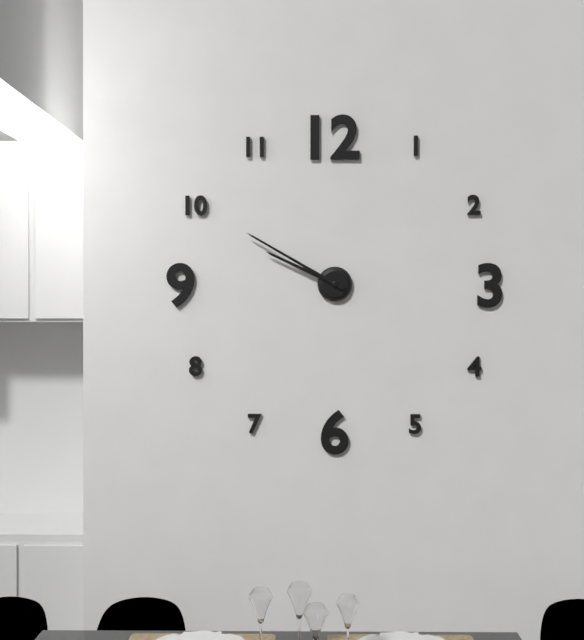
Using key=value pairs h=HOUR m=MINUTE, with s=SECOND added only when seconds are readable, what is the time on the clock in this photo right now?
h=9 m=50
